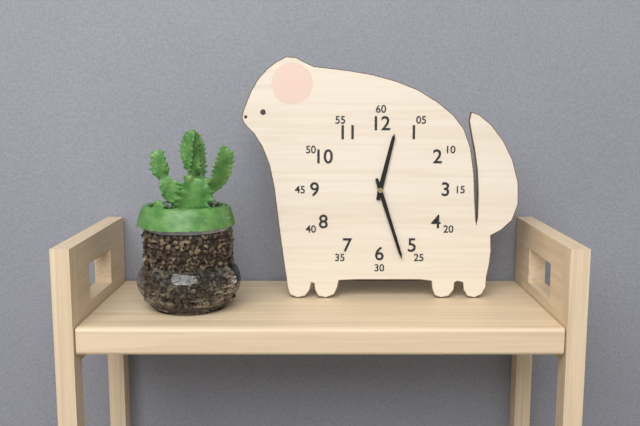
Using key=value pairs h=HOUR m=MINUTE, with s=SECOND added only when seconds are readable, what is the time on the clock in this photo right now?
h=12 m=27
